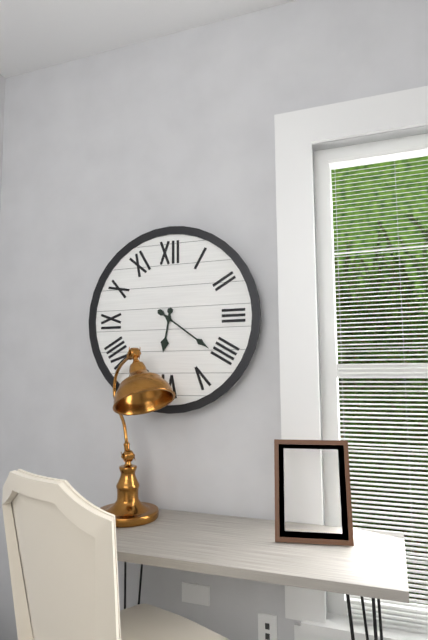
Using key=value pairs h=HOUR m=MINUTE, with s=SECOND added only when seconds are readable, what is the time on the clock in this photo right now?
h=6 m=21
